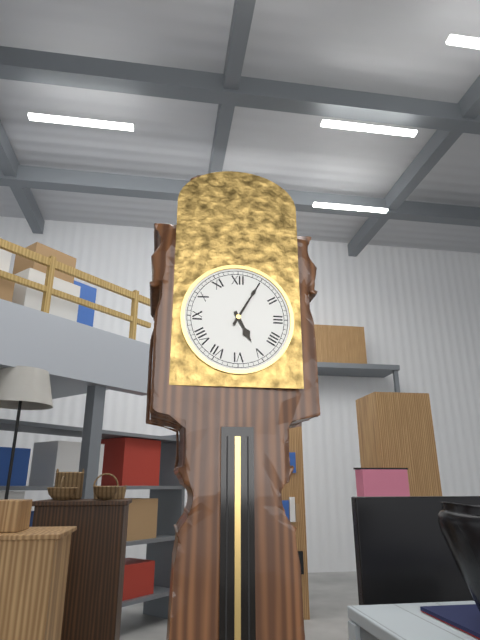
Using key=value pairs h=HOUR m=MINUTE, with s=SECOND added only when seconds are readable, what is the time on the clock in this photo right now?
h=5 m=5
